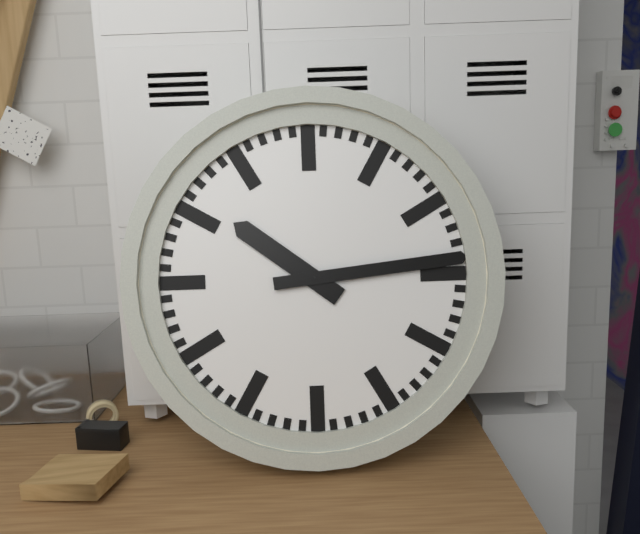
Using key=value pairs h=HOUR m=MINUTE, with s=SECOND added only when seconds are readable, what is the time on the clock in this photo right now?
h=10 m=14
